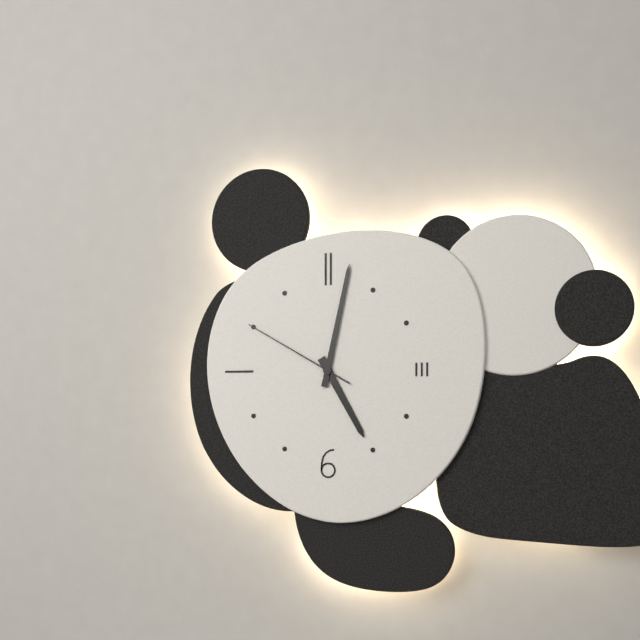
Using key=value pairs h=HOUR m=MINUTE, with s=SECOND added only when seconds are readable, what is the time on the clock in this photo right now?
h=5 m=2 s=50
